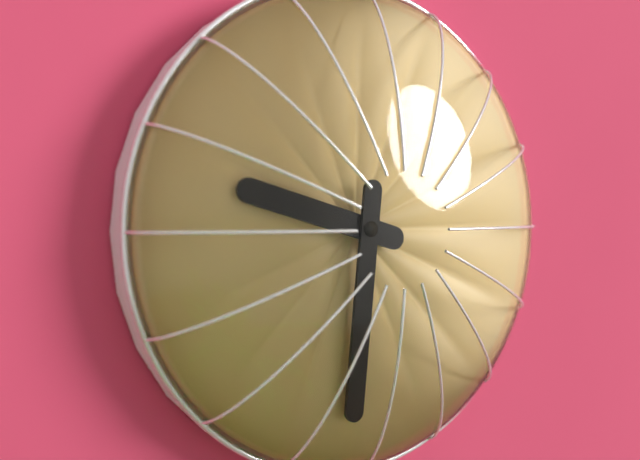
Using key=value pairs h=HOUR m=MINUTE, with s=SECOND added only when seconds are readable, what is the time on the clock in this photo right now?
h=9 m=31
